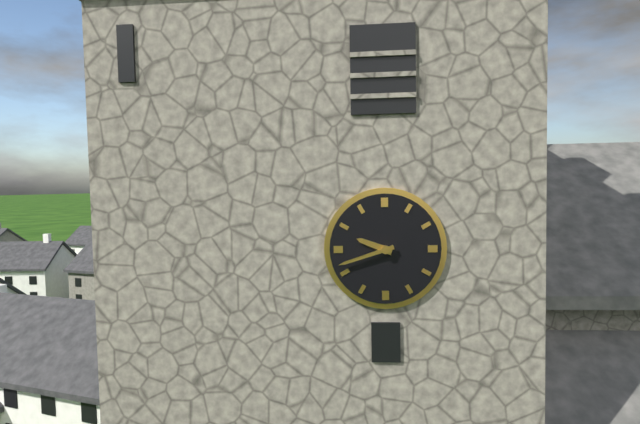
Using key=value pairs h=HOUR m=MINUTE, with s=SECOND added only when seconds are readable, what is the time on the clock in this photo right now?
h=9 m=42
